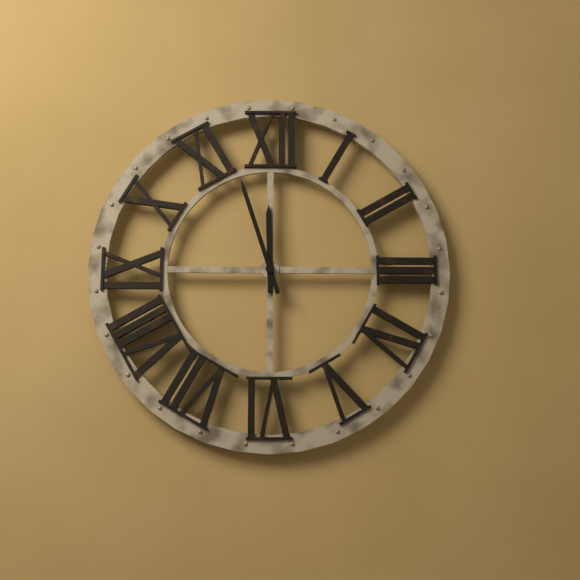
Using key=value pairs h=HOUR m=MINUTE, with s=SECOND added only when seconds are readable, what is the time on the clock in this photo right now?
h=11 m=57
